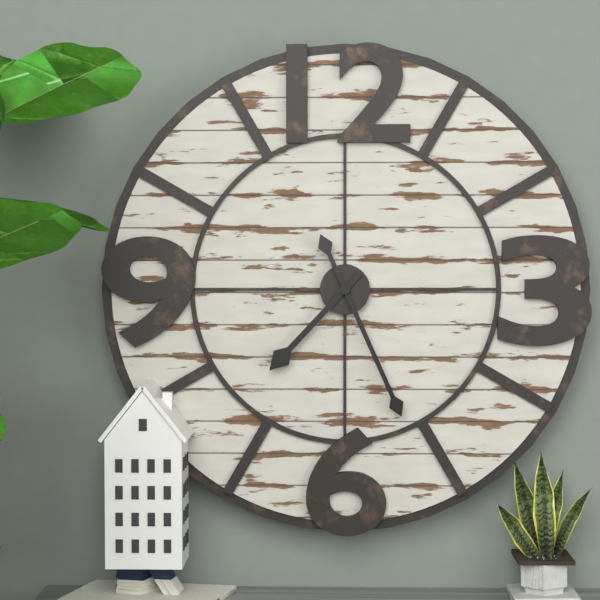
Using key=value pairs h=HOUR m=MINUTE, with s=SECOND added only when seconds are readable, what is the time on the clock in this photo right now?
h=7 m=26
